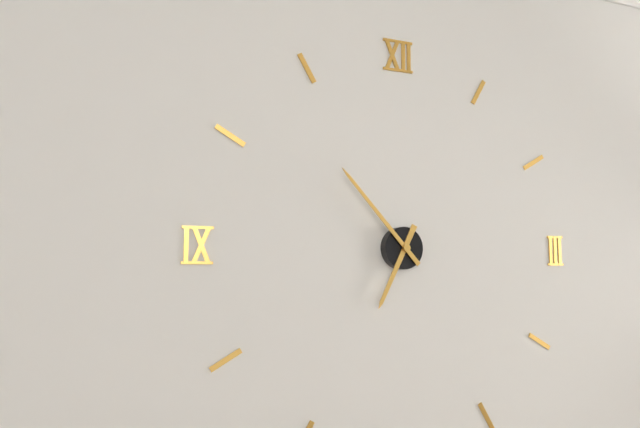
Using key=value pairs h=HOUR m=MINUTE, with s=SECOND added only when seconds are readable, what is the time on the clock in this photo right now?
h=6 m=53
